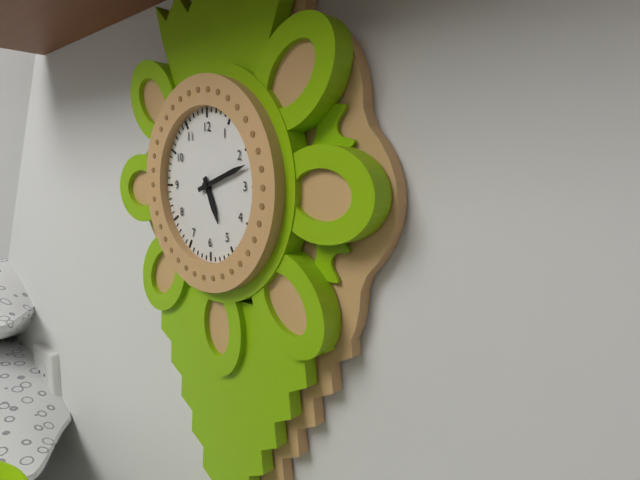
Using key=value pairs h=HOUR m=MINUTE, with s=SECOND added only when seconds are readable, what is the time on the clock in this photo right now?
h=5 m=12
